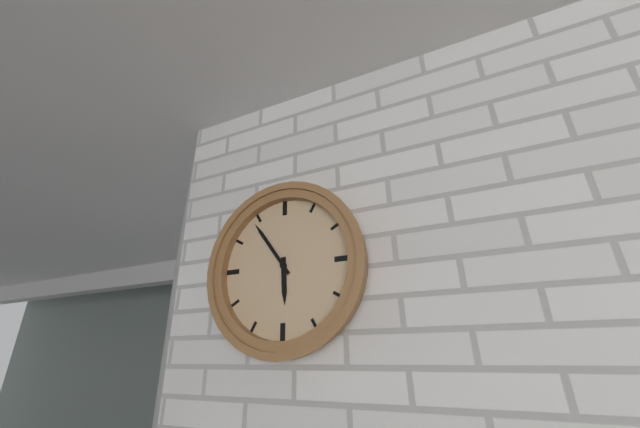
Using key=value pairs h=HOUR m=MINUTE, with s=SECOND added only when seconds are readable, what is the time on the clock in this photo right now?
h=5 m=54
